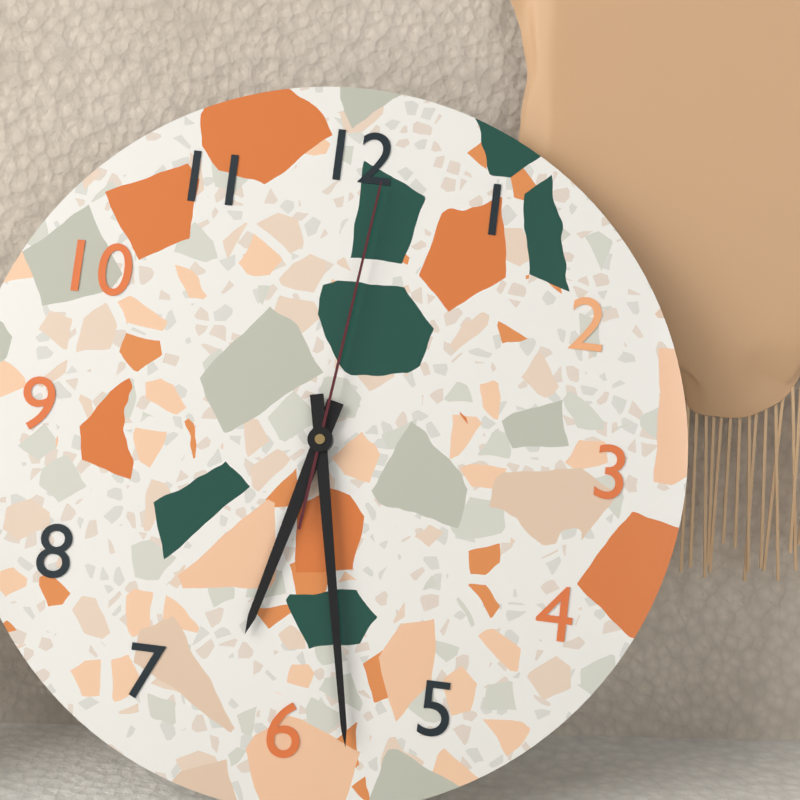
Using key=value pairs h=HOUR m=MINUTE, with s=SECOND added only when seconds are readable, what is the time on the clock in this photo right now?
h=6 m=28 s=1
